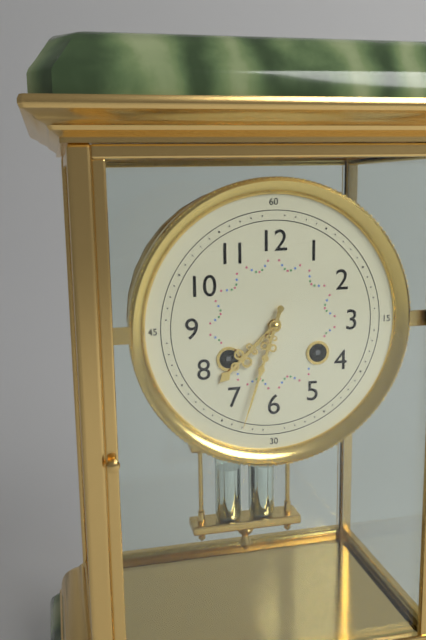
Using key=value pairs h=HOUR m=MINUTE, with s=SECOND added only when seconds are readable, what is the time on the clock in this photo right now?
h=7 m=33
